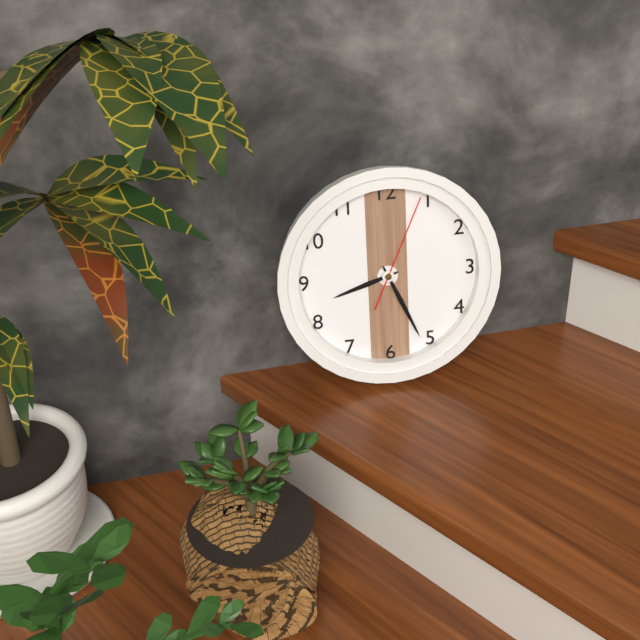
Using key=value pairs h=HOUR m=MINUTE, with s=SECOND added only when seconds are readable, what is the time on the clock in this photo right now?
h=8 m=26 s=4
